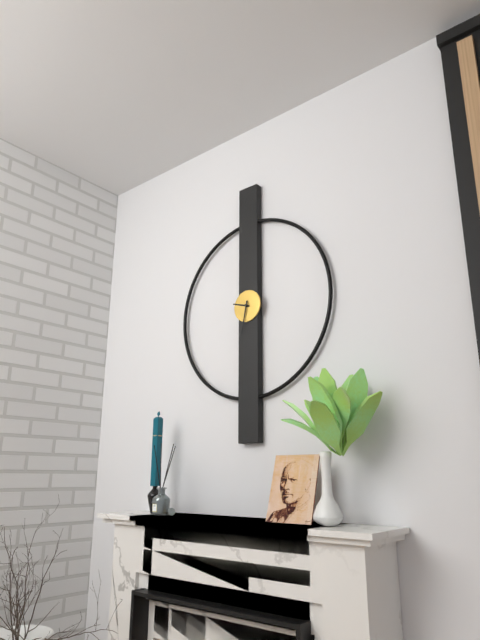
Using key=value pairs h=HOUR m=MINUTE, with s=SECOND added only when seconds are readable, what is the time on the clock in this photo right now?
h=9 m=32
